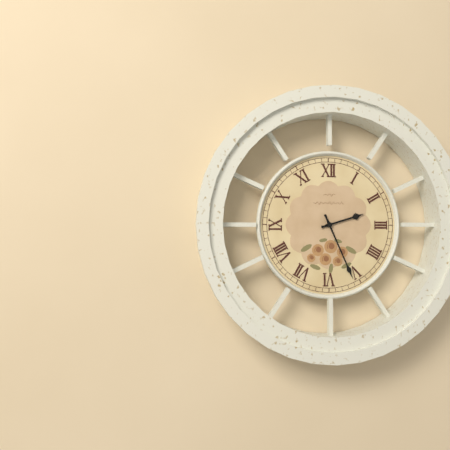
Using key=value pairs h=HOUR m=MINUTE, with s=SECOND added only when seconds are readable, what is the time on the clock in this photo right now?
h=2 m=26
